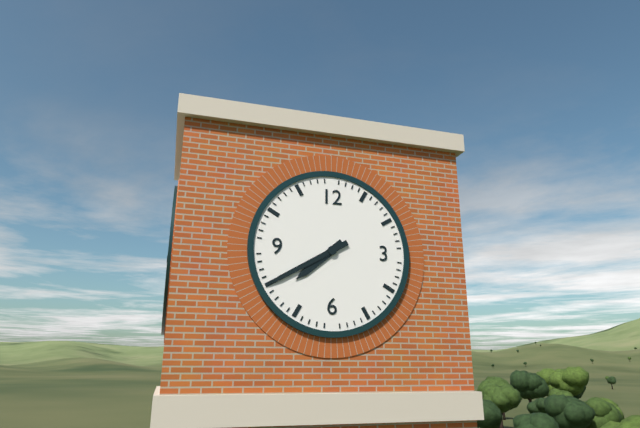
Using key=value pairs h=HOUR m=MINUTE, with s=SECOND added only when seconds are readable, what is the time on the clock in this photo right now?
h=7 m=40
